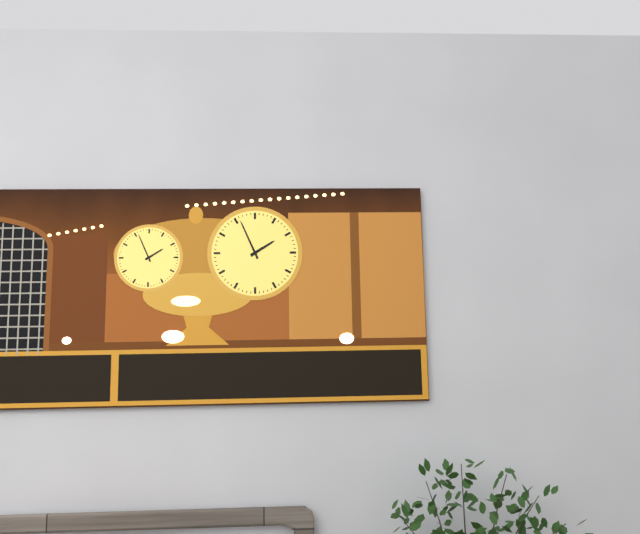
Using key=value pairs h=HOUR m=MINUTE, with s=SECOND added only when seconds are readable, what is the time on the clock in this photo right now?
h=1 m=56
